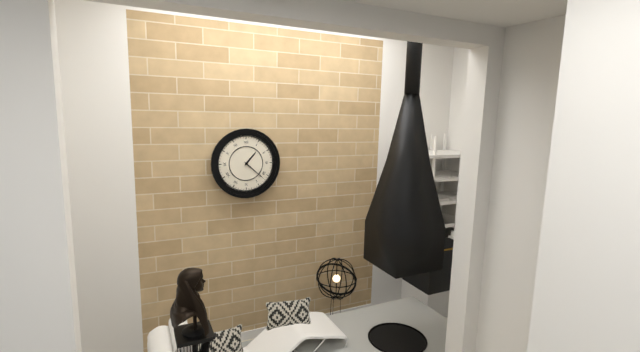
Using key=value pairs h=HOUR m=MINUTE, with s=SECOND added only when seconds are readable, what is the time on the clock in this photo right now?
h=1 m=22
